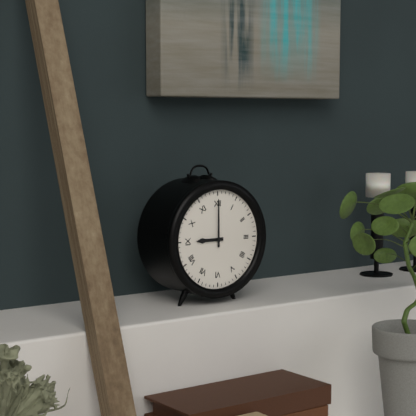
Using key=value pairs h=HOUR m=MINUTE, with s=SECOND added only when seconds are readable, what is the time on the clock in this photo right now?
h=9 m=0
